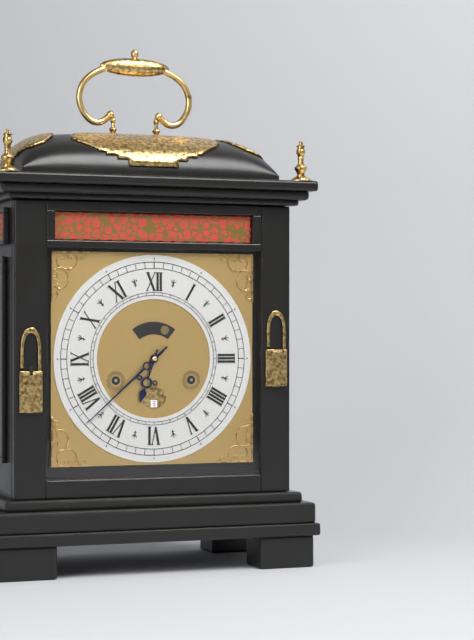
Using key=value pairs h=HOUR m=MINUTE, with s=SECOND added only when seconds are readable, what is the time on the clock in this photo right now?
h=6 m=38
